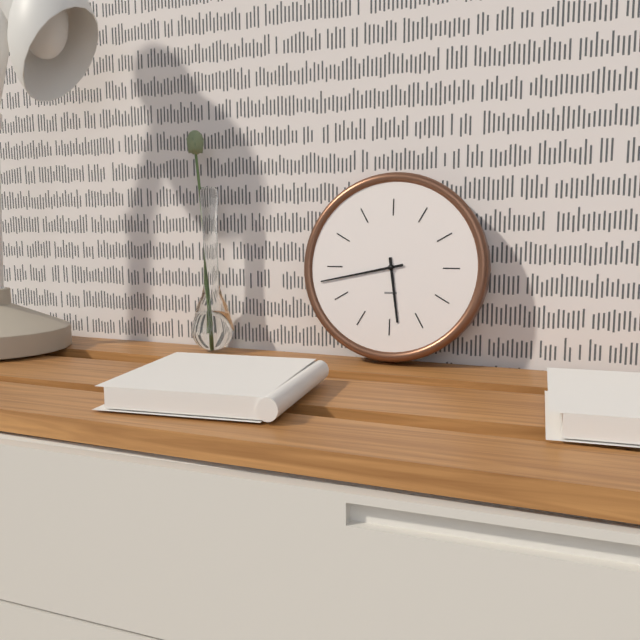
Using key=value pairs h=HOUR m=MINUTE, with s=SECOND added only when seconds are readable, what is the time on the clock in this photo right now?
h=5 m=43
